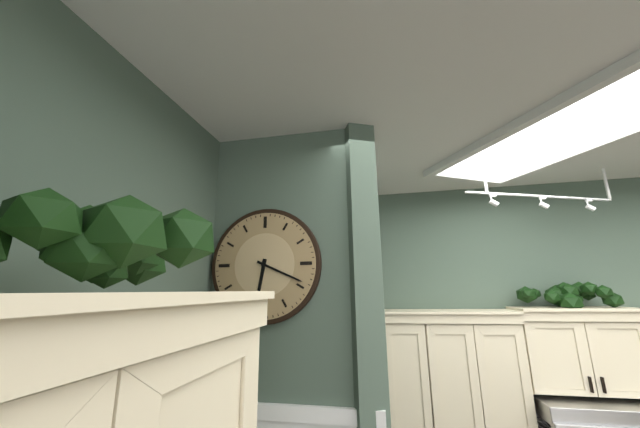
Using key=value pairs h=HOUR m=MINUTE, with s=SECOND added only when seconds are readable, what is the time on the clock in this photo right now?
h=6 m=19
